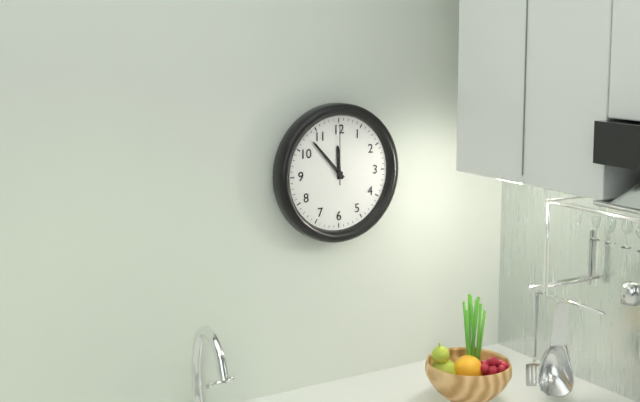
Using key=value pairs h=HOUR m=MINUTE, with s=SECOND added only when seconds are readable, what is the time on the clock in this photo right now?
h=11 m=53 s=0
